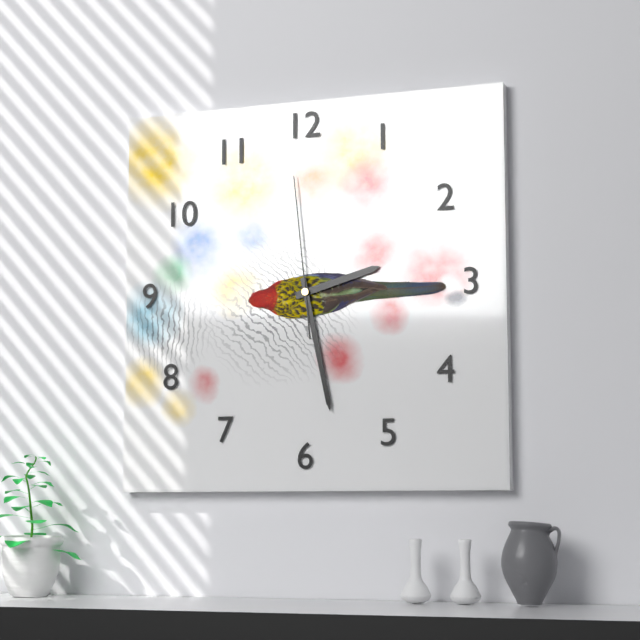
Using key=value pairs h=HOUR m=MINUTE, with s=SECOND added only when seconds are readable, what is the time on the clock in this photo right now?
h=2 m=28 s=59
